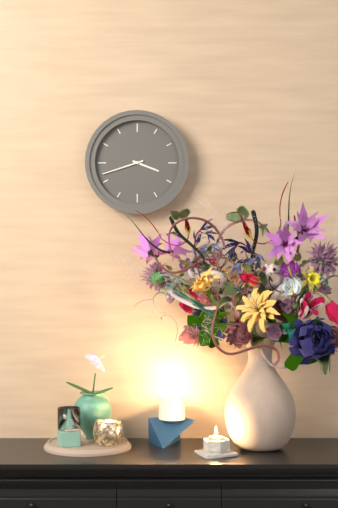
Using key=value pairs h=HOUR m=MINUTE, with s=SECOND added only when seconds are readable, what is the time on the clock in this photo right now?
h=3 m=42
